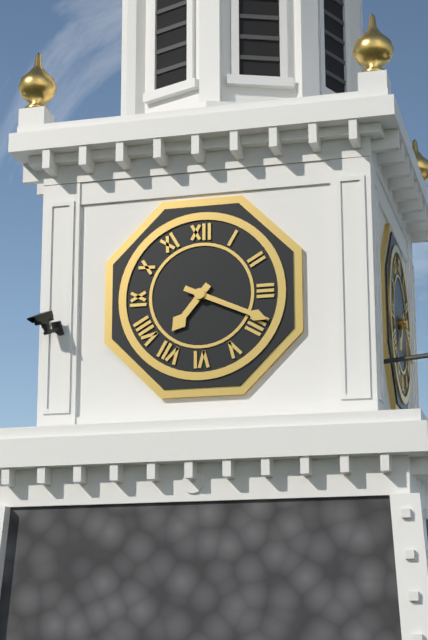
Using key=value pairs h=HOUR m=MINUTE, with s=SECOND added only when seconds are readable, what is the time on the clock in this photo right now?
h=7 m=19
